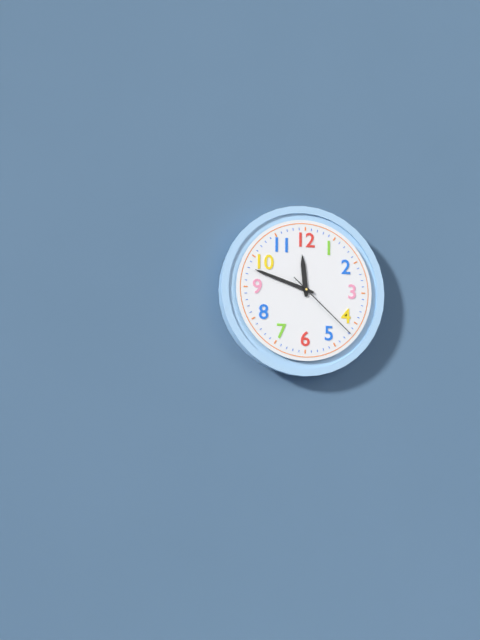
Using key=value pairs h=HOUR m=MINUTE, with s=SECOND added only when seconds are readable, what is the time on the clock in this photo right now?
h=11 m=48 s=22
